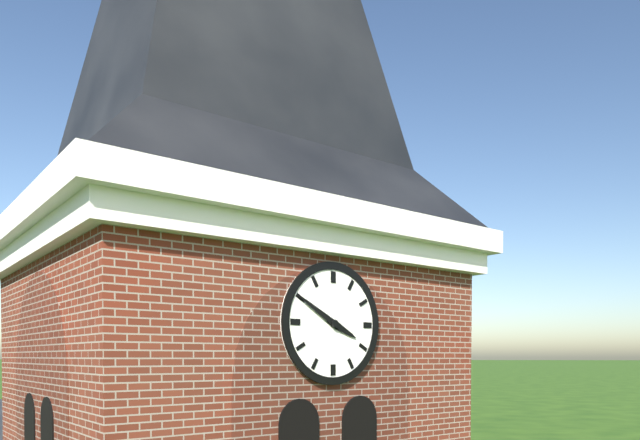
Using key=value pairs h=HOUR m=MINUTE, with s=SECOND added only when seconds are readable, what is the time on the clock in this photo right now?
h=3 m=50
